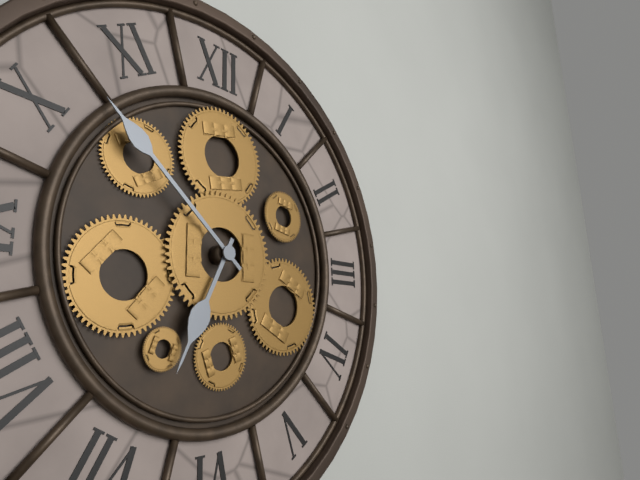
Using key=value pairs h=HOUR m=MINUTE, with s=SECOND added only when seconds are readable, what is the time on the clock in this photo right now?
h=6 m=52
